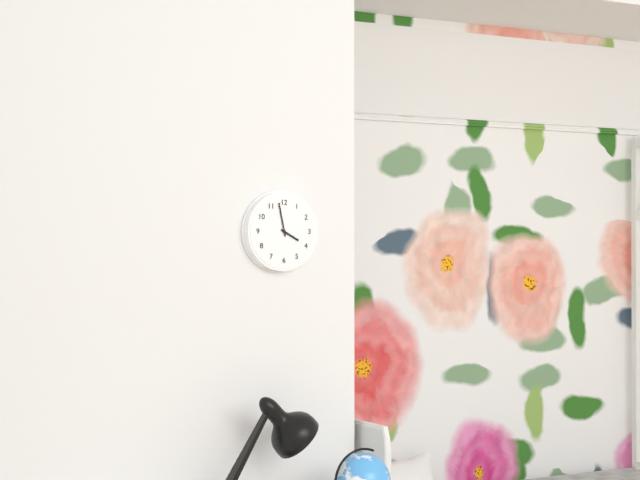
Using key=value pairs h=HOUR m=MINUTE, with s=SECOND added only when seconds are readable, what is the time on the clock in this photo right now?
h=3 m=58
